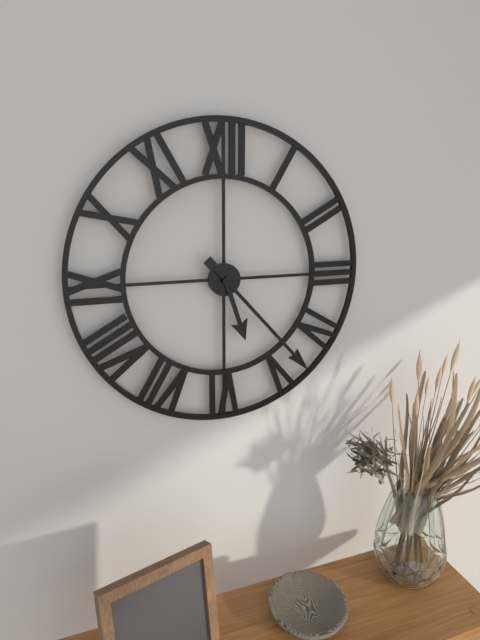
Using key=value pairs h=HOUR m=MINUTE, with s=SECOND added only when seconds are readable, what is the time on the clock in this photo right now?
h=5 m=23
